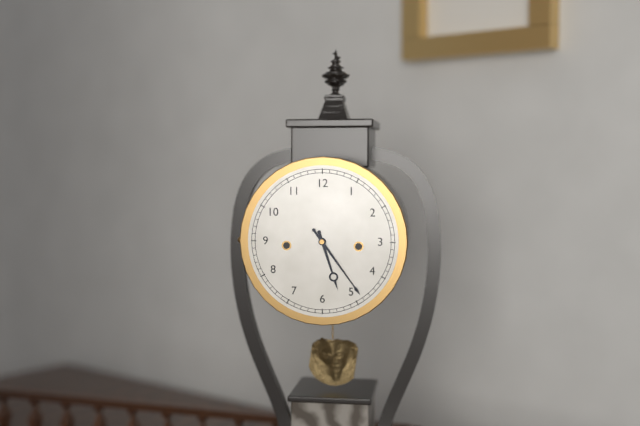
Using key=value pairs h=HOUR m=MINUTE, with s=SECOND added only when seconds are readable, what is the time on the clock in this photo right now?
h=5 m=24
